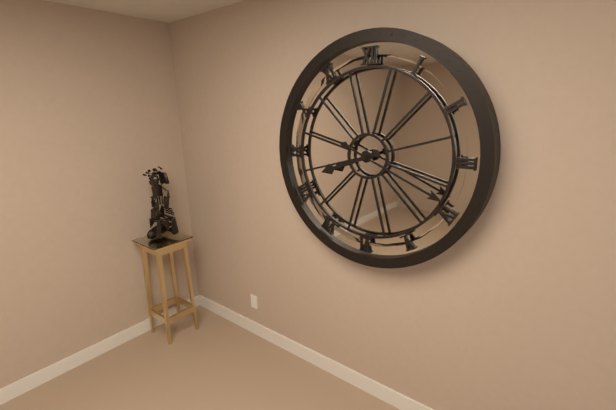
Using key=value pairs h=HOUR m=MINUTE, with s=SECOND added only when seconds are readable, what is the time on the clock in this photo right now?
h=8 m=19
